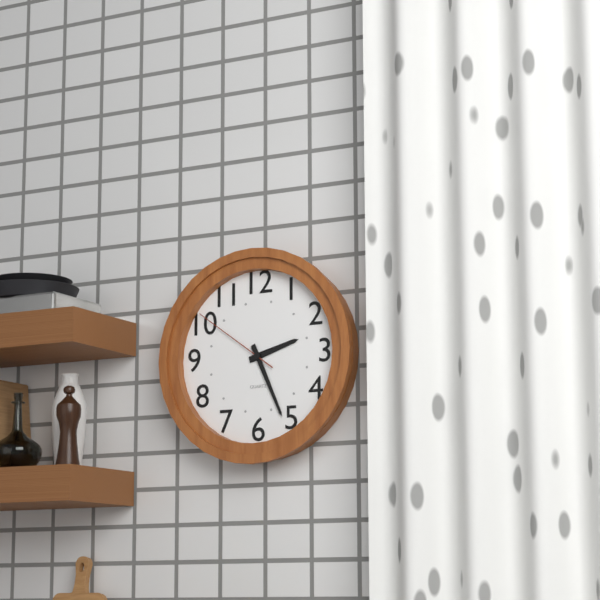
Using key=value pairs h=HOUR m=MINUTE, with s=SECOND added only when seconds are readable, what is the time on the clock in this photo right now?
h=2 m=26 s=51
